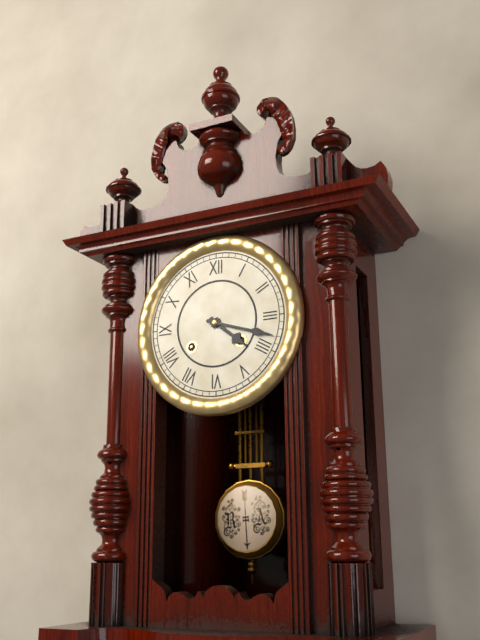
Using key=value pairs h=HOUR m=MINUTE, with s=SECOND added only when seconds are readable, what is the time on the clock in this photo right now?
h=4 m=18
